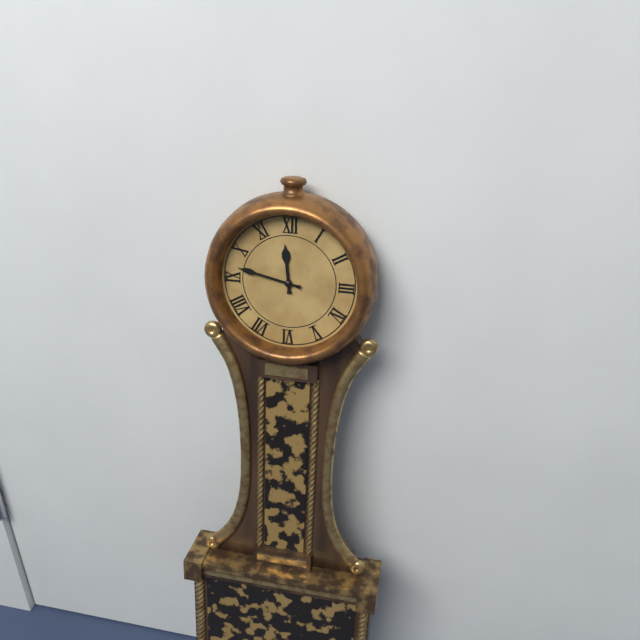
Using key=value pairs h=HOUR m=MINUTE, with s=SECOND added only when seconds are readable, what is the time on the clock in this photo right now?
h=11 m=47
